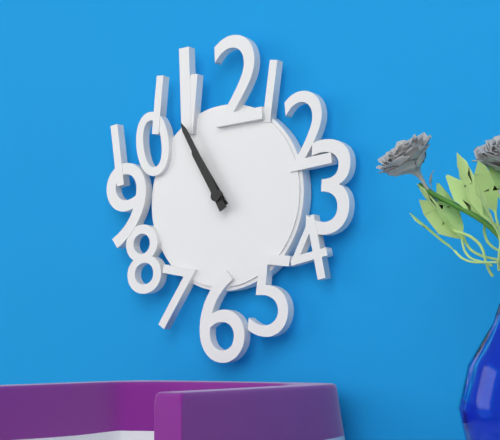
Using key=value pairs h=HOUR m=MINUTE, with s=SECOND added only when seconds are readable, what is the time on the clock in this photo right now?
h=10 m=55
